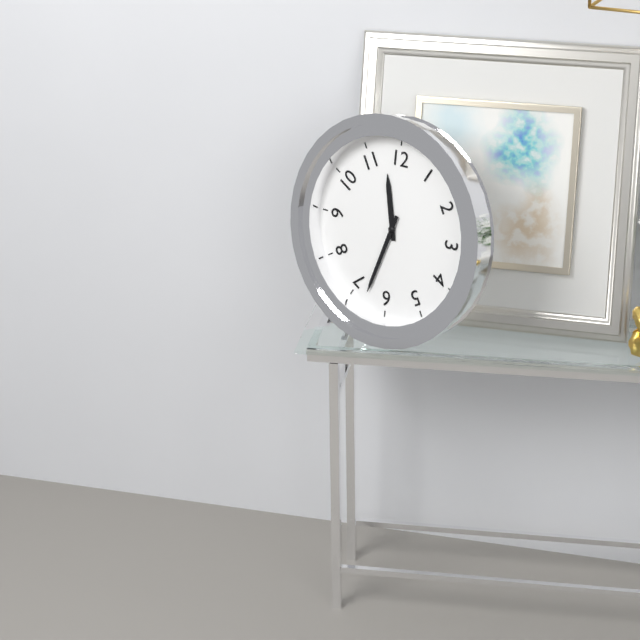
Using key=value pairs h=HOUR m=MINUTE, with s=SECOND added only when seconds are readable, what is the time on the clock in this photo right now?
h=11 m=33
